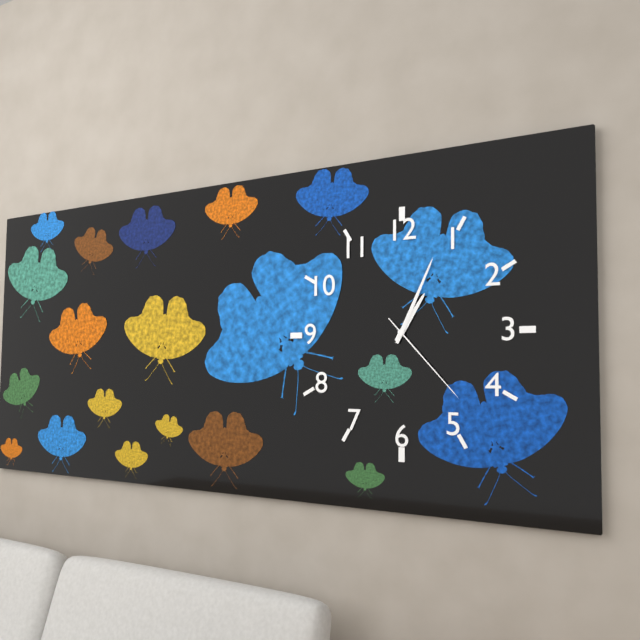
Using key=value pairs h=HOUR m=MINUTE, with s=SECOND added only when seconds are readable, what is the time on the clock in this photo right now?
h=1 m=4 s=23
